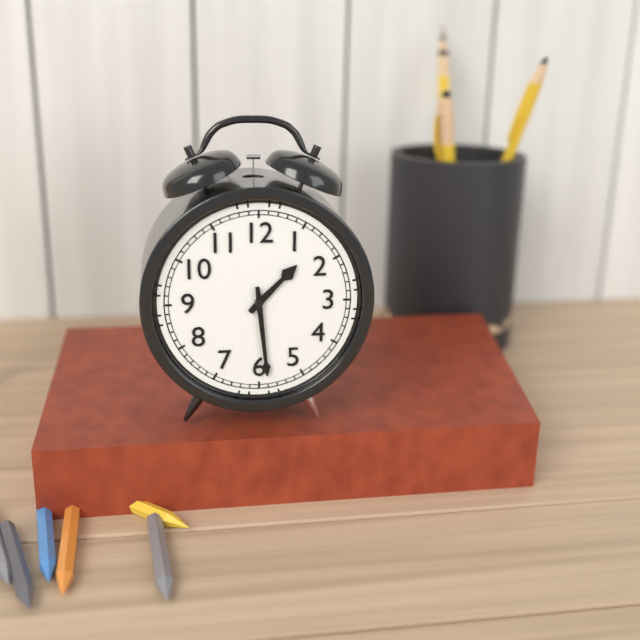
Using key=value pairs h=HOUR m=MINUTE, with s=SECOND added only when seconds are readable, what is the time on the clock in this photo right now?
h=1 m=29
